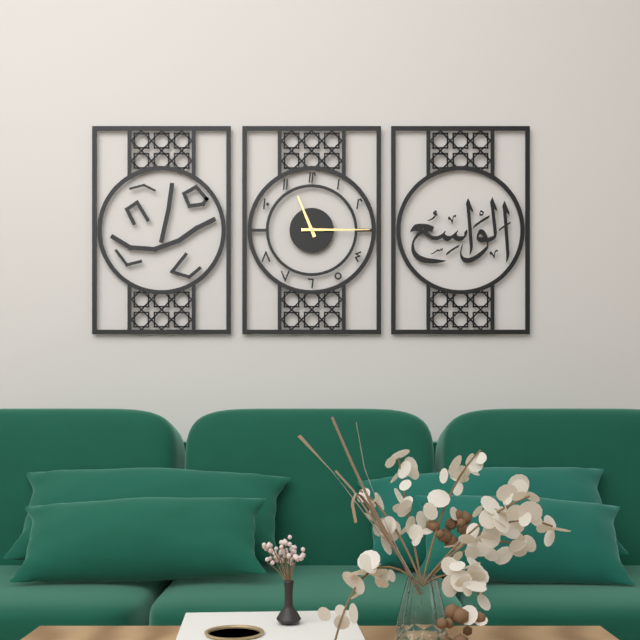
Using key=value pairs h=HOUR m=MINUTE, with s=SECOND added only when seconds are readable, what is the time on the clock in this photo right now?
h=11 m=15
